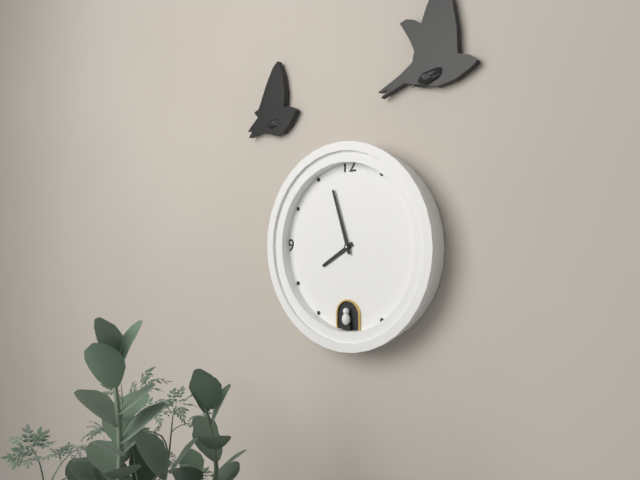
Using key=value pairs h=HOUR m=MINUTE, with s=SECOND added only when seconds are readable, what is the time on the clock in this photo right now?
h=7 m=57
